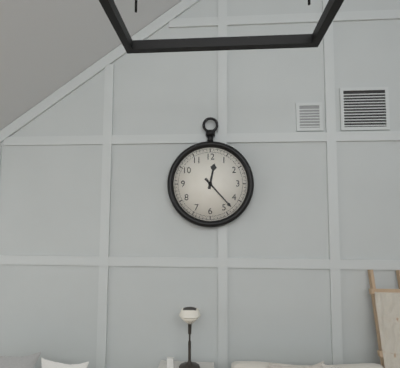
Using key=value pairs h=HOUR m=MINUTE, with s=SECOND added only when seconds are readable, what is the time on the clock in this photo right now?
h=12 m=23
